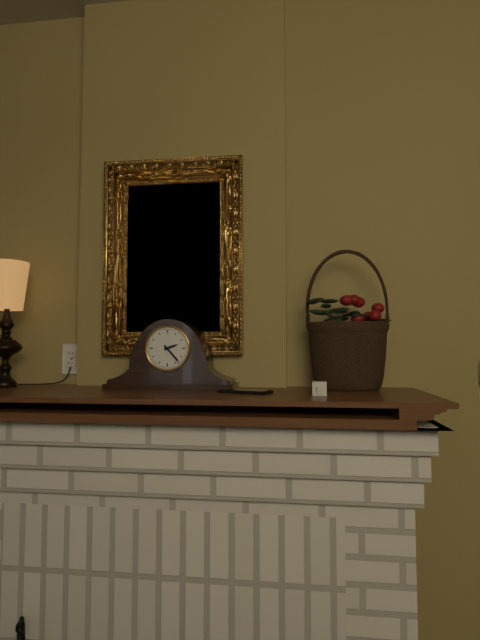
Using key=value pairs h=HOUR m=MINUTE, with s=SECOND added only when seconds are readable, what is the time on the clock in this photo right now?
h=2 m=23
